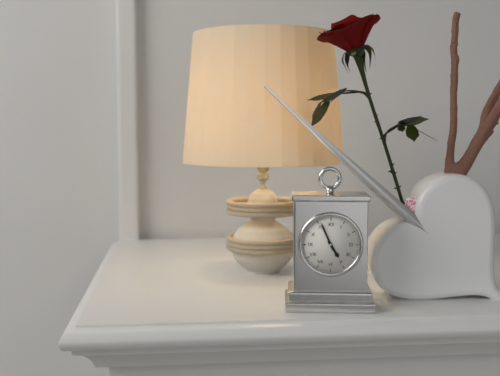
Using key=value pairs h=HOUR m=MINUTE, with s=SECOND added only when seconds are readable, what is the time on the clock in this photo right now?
h=4 m=56
